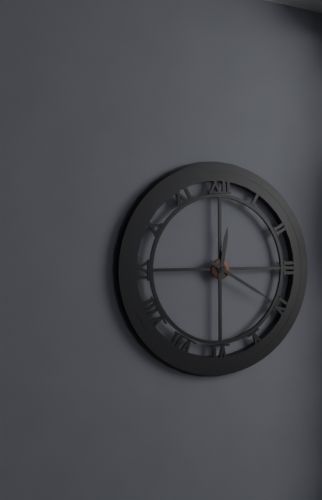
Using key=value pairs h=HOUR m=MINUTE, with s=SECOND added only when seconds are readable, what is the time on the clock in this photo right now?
h=12 m=20
